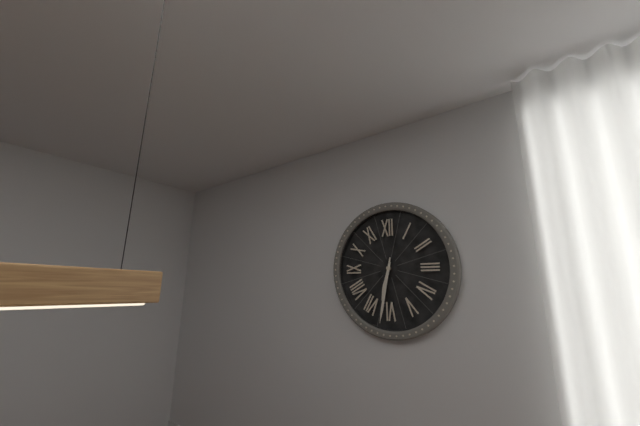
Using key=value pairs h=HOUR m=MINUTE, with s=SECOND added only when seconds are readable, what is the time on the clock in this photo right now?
h=6 m=32
